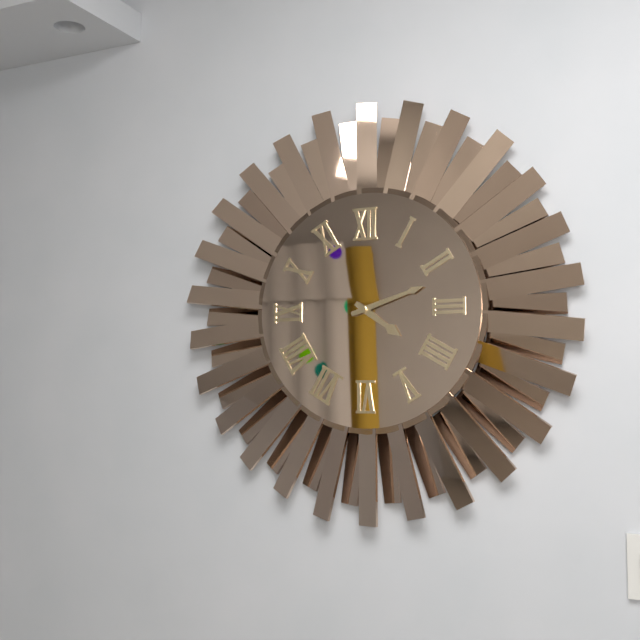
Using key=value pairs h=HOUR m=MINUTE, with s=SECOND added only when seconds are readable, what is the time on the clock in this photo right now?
h=4 m=12
